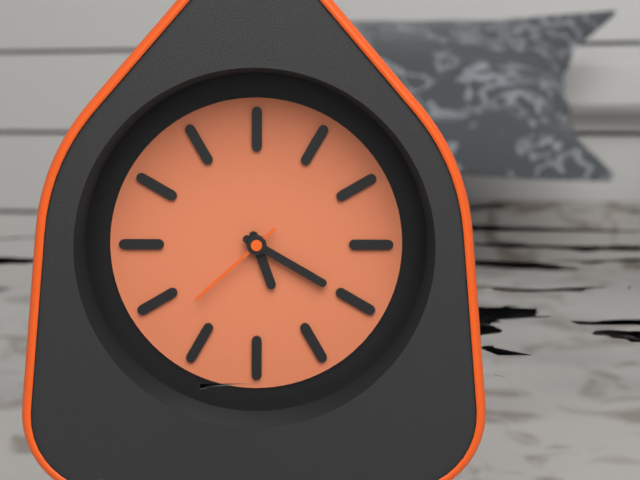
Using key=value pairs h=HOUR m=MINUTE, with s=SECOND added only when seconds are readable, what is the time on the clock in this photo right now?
h=5 m=20 s=38
